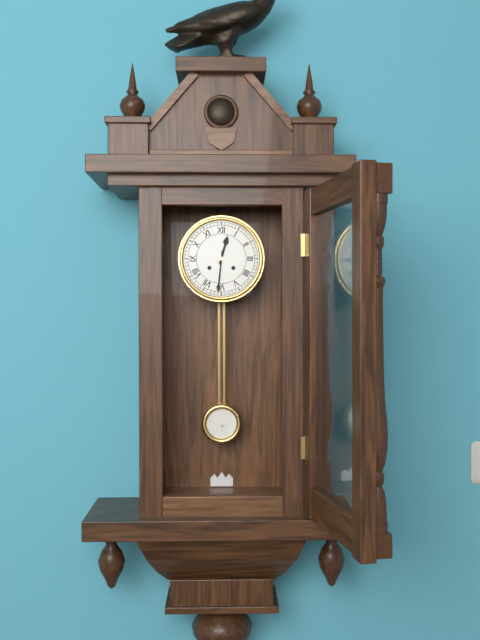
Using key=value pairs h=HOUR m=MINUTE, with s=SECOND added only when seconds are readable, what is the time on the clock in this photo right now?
h=12 m=31
